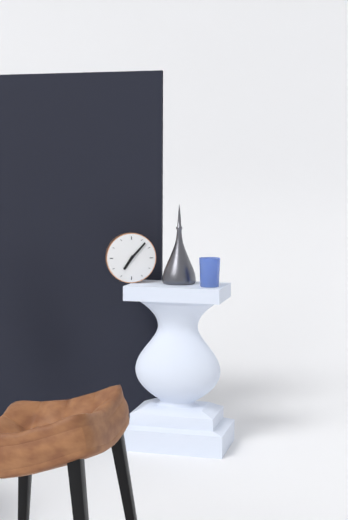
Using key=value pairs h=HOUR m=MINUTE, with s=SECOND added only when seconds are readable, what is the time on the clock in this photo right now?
h=7 m=7
